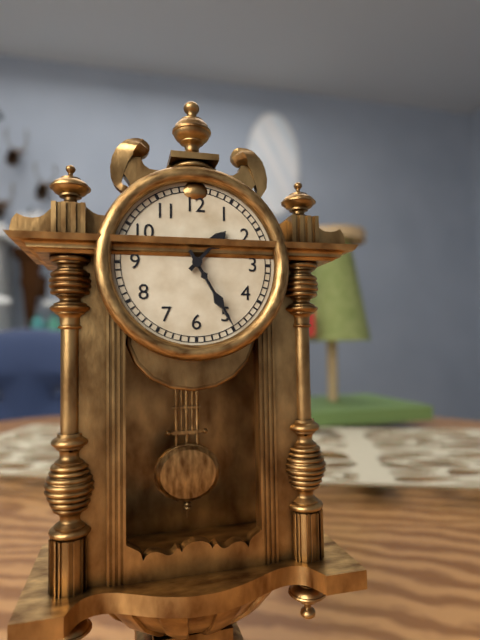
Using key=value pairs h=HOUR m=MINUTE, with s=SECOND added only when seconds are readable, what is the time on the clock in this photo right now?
h=1 m=25
